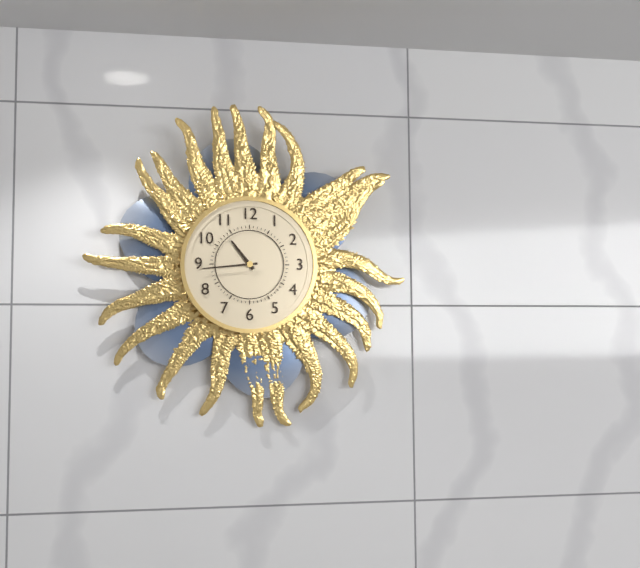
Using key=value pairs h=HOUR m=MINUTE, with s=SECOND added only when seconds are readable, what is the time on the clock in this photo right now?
h=10 m=44
